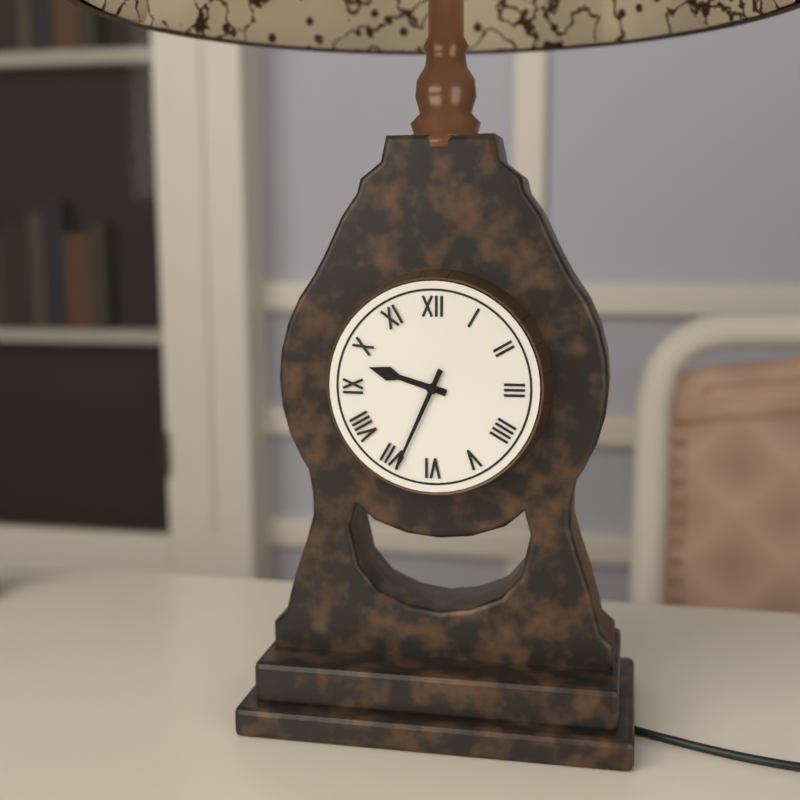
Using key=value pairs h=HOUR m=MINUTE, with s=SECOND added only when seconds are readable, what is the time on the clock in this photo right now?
h=9 m=34
